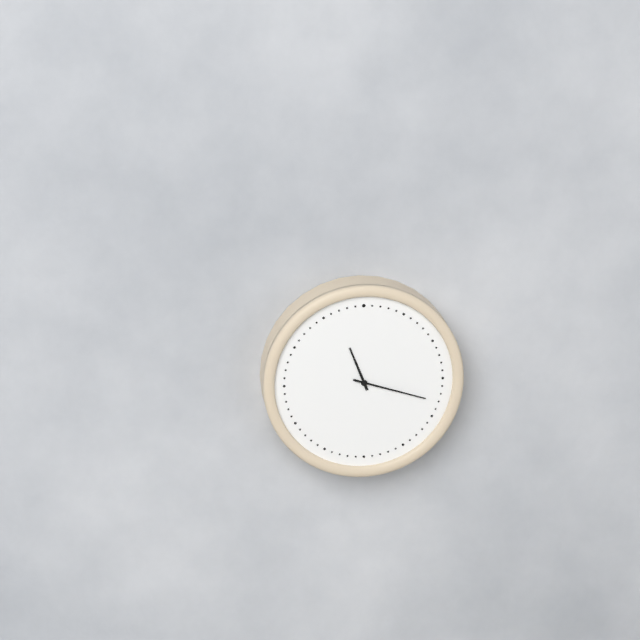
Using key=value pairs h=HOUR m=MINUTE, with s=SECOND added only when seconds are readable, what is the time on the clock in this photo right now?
h=11 m=18
